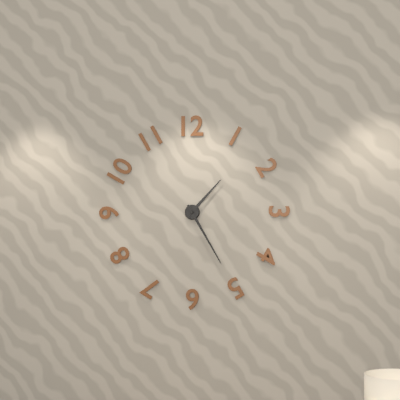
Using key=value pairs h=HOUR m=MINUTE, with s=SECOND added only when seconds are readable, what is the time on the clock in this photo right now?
h=1 m=25
